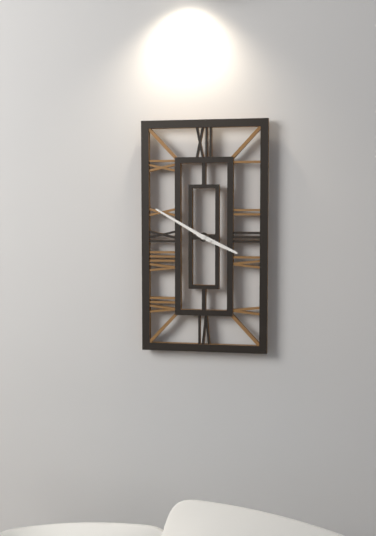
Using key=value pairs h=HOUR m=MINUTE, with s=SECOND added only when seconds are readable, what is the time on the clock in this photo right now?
h=3 m=50
